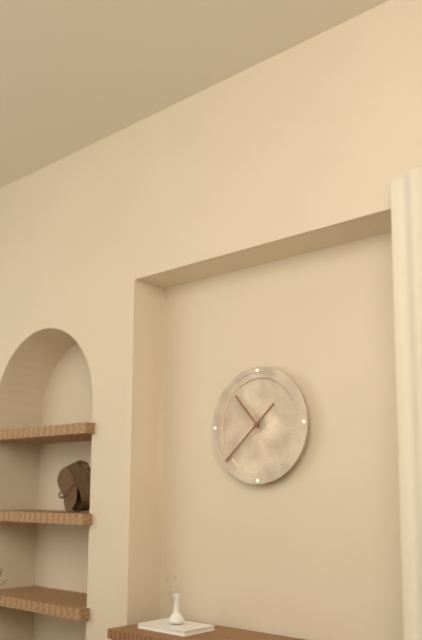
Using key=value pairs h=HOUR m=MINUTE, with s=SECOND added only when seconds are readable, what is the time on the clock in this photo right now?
h=10 m=38
